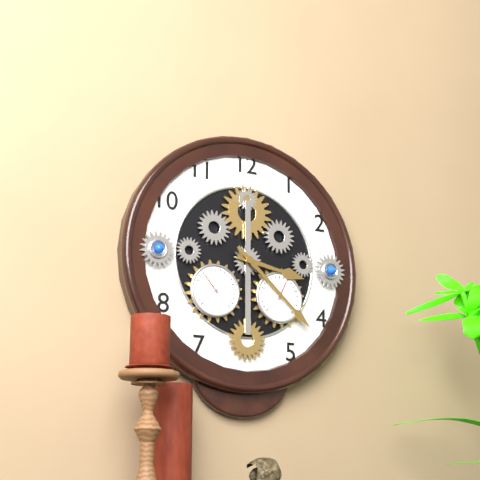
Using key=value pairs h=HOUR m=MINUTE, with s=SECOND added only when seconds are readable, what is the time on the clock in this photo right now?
h=3 m=22
